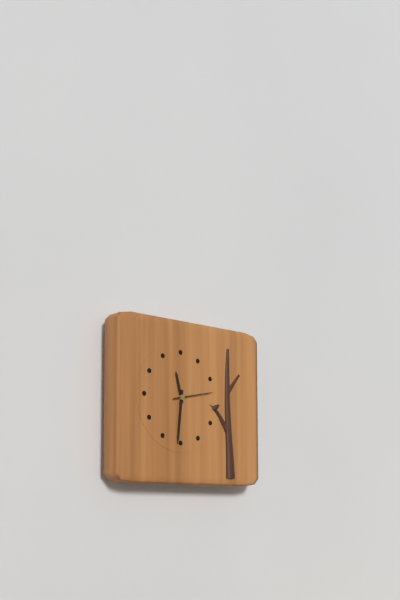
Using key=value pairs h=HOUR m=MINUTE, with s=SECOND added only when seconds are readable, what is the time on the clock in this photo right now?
h=11 m=31
